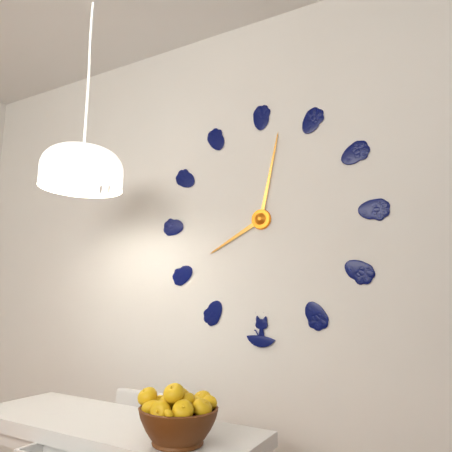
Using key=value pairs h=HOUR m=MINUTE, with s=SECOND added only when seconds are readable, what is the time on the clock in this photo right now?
h=8 m=2
